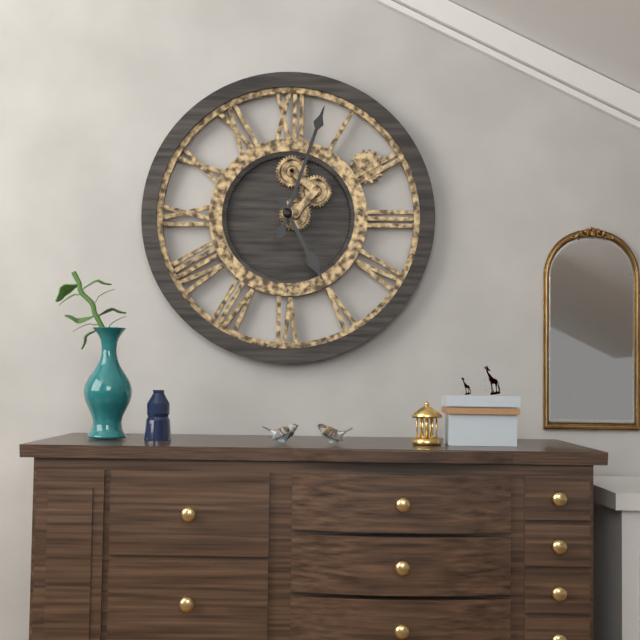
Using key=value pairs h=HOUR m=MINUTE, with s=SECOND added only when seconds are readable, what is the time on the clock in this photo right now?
h=5 m=3
